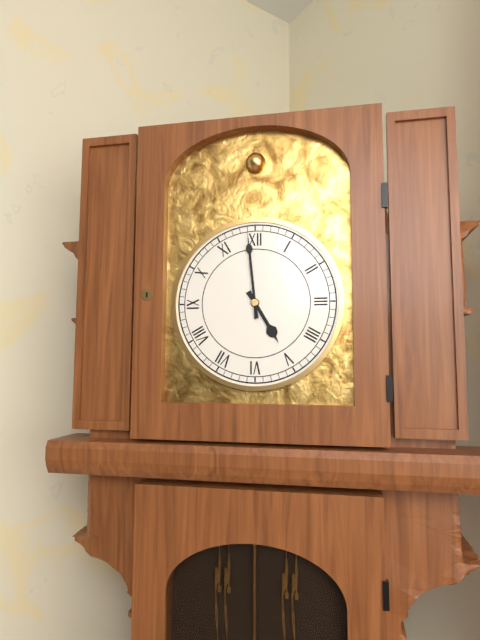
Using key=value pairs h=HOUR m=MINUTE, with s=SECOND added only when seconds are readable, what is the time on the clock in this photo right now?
h=4 m=59
